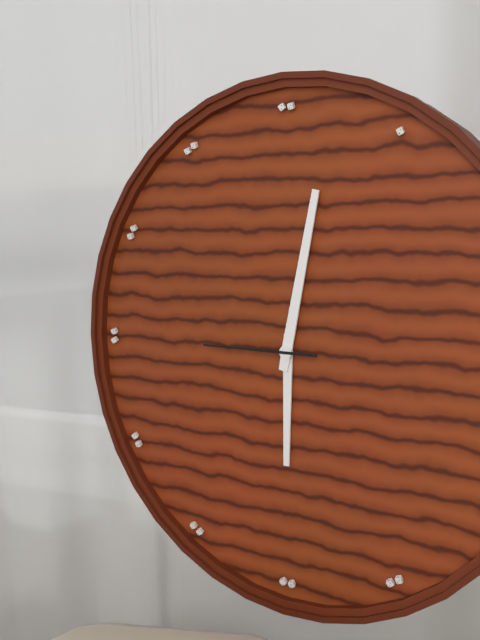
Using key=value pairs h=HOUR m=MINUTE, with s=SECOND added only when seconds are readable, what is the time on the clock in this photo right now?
h=6 m=2 s=45
